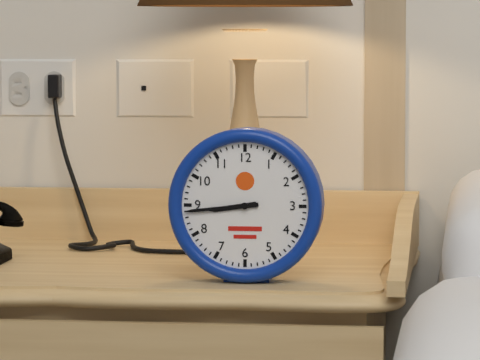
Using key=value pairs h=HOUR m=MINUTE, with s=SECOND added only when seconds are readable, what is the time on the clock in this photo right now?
h=8 m=44
